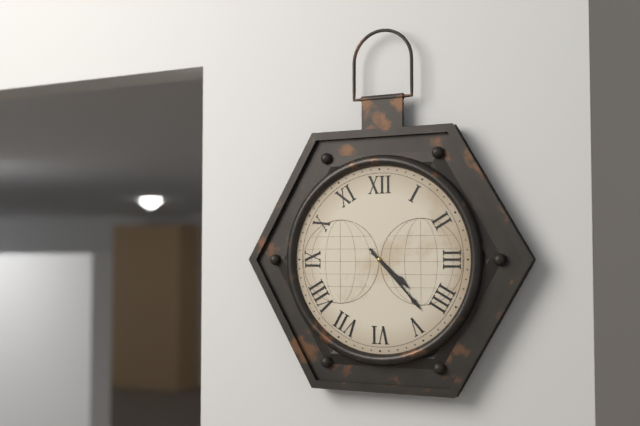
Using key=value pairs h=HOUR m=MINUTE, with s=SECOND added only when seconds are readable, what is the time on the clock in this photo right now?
h=4 m=23
